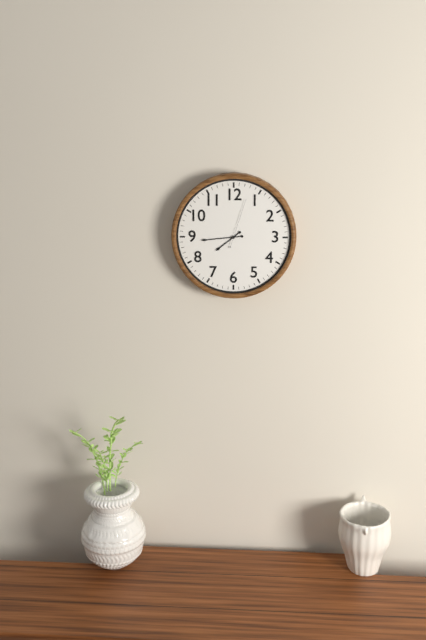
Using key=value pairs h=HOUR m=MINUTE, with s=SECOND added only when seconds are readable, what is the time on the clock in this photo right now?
h=7 m=44 s=3
